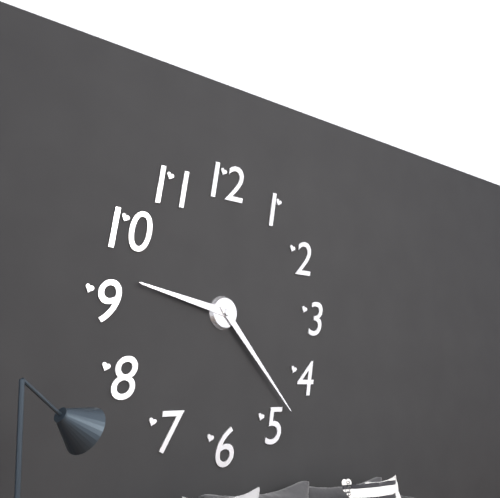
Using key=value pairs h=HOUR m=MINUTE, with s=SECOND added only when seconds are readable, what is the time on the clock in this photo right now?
h=9 m=23
